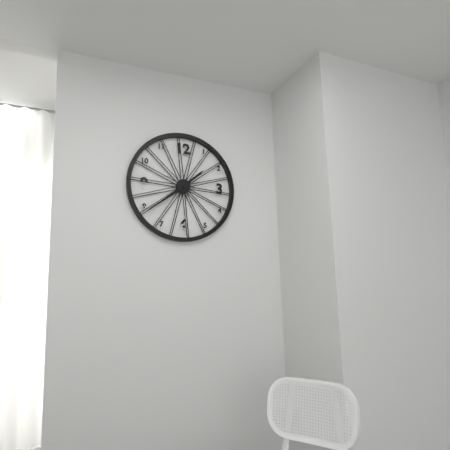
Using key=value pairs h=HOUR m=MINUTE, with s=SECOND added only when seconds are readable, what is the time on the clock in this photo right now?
h=1 m=39
